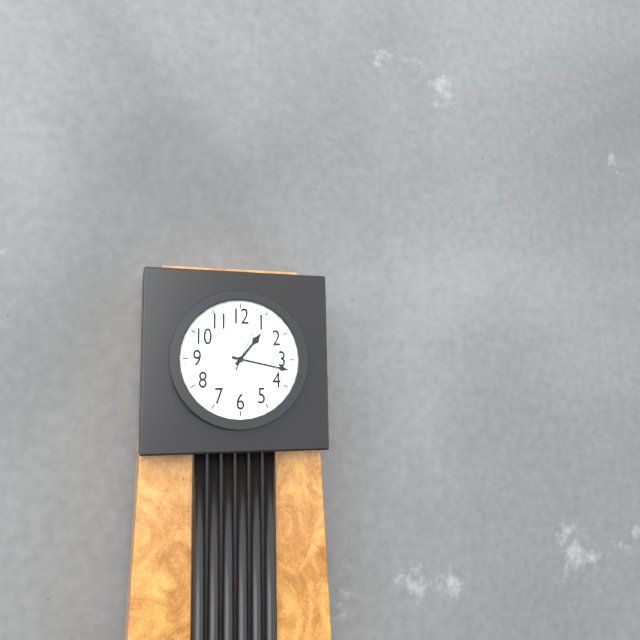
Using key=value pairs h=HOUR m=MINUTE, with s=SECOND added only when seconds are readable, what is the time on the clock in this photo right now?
h=1 m=17 s=4
